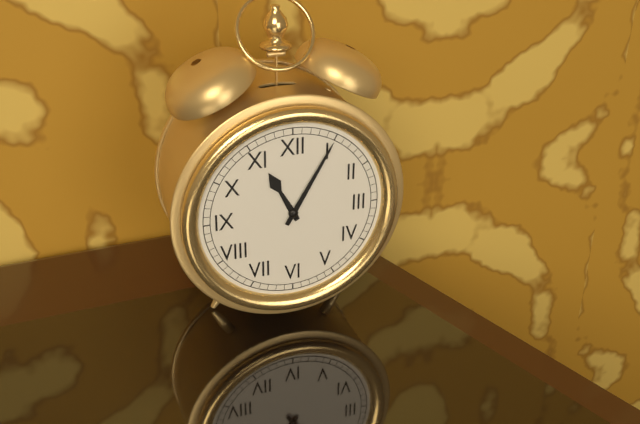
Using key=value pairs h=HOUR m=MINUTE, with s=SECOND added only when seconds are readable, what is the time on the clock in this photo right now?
h=11 m=5
